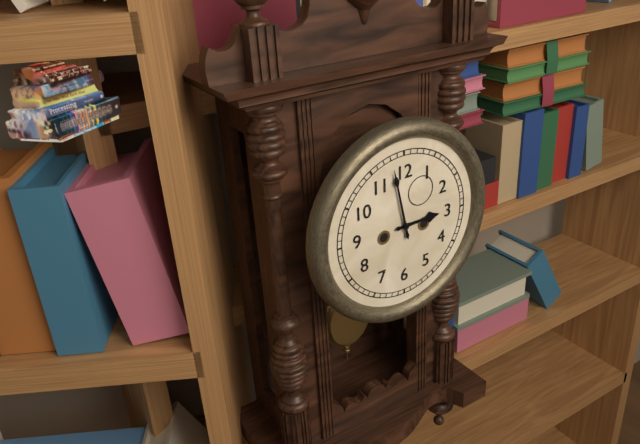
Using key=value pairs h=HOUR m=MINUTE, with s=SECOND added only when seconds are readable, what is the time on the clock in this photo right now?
h=2 m=58
